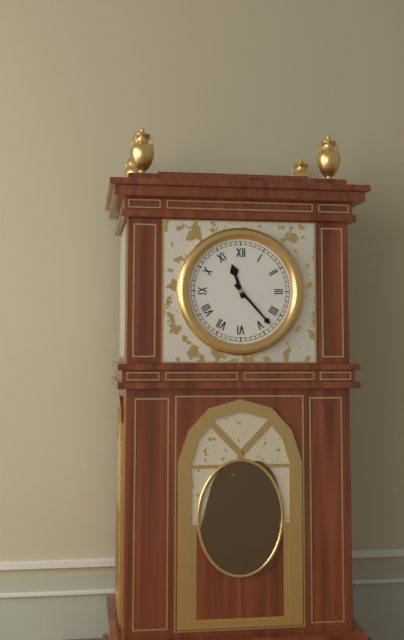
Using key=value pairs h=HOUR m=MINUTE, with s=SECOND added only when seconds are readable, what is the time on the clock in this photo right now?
h=11 m=23
